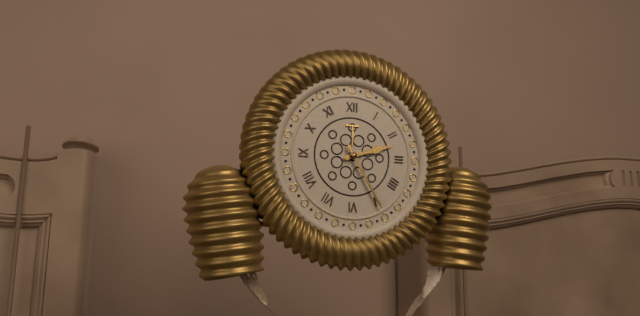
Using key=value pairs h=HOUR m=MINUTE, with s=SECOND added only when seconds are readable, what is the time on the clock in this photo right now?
h=2 m=25
